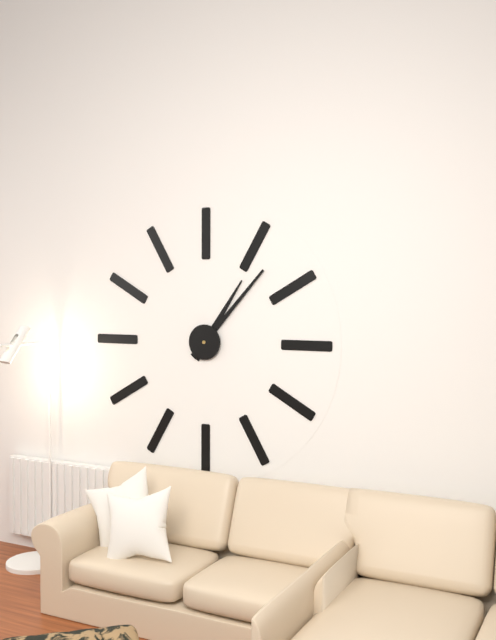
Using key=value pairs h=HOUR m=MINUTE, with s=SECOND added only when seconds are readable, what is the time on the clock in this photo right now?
h=1 m=7
